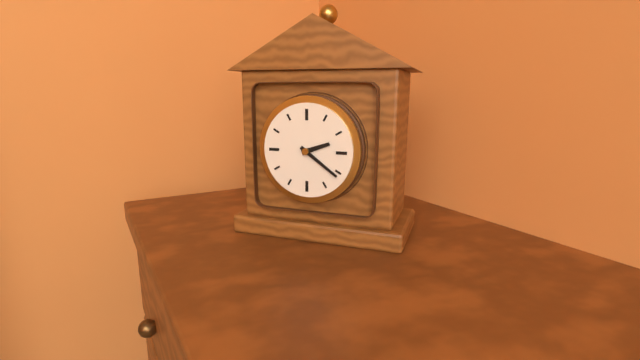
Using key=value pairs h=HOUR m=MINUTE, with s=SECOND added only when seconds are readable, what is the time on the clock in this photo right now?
h=2 m=21
